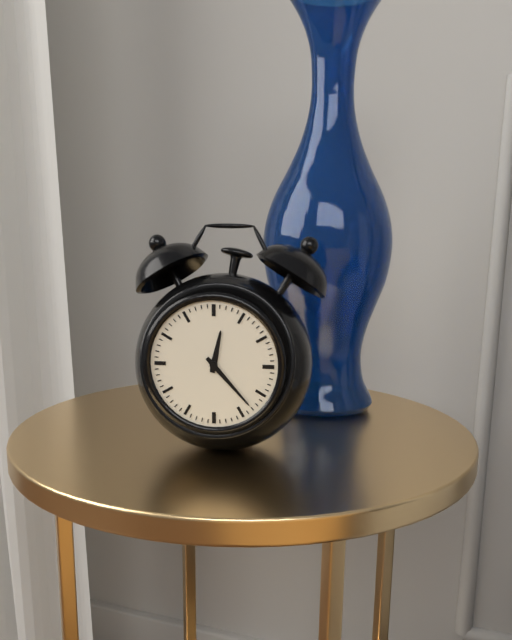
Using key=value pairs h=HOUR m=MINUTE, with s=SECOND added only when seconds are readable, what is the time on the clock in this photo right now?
h=12 m=23
